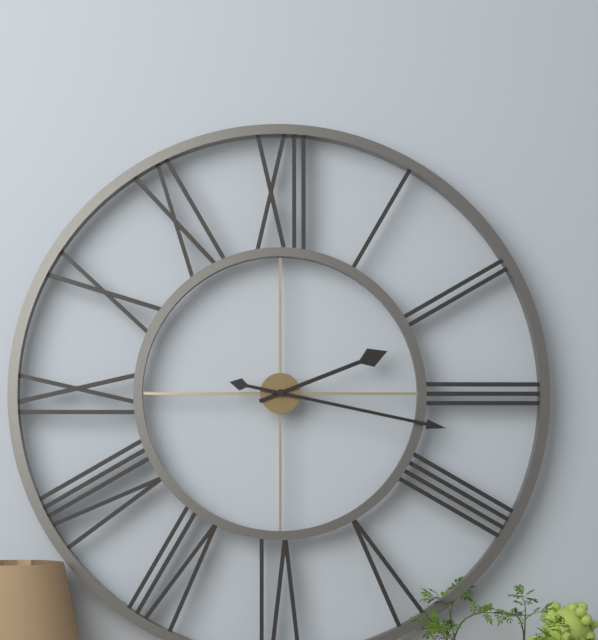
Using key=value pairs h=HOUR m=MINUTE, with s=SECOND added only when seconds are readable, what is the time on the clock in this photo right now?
h=2 m=17
